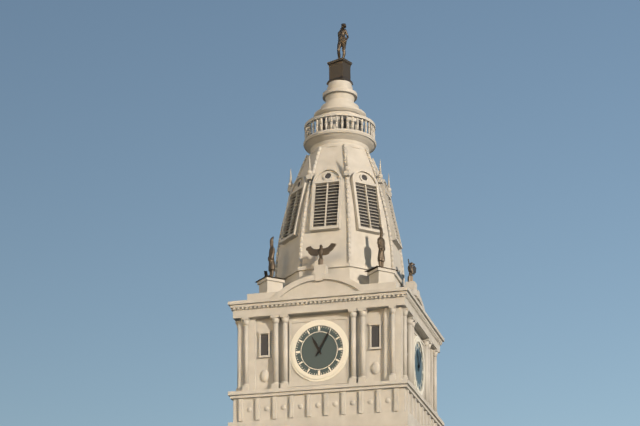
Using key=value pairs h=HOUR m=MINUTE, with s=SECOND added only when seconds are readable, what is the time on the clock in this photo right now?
h=11 m=5
